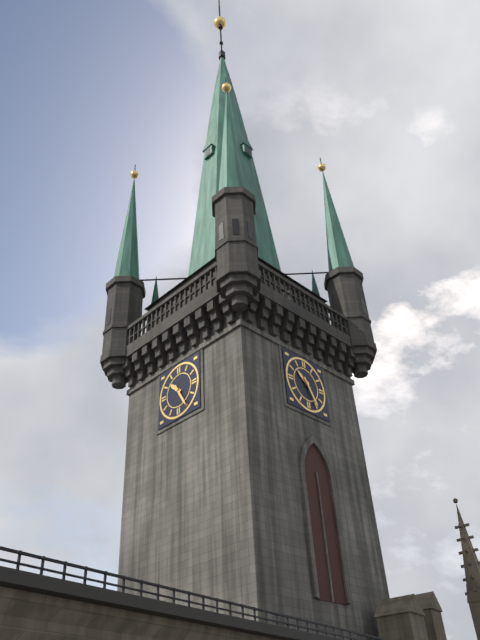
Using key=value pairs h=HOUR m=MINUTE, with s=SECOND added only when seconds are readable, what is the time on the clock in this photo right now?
h=10 m=25
